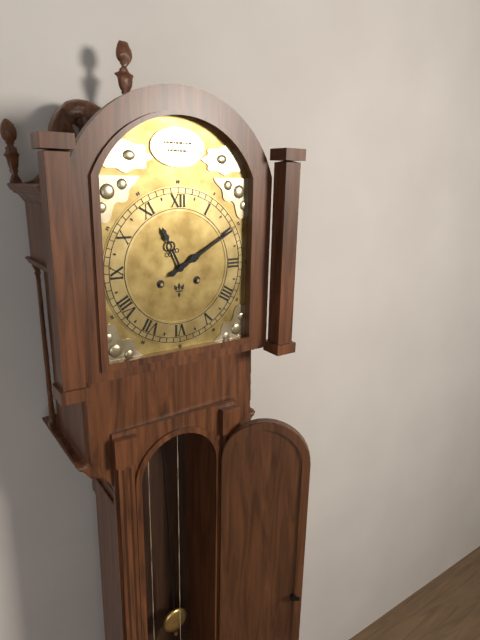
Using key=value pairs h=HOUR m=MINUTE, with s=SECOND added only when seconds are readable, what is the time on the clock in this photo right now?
h=11 m=10
